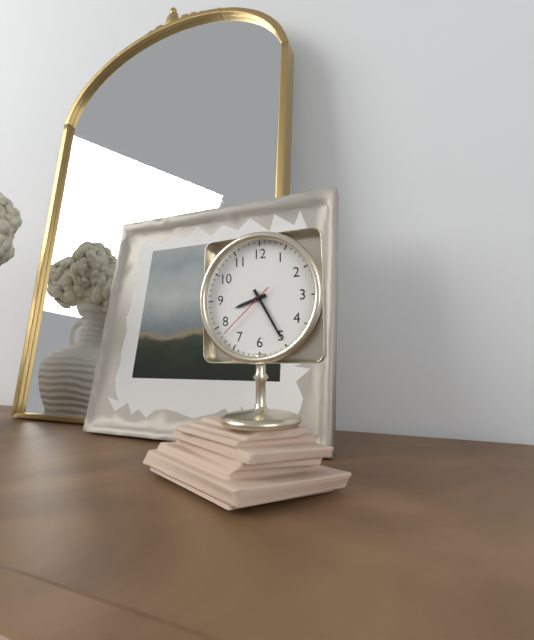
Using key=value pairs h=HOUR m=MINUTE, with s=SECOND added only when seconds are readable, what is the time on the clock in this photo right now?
h=8 m=25 s=38
